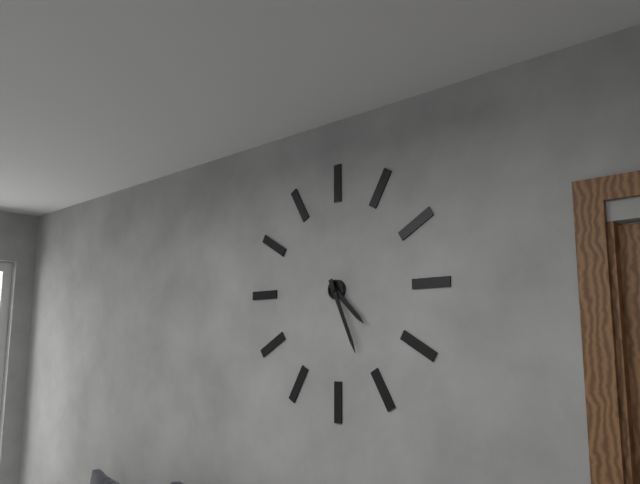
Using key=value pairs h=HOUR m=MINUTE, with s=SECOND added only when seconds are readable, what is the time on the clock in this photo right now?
h=4 m=26
